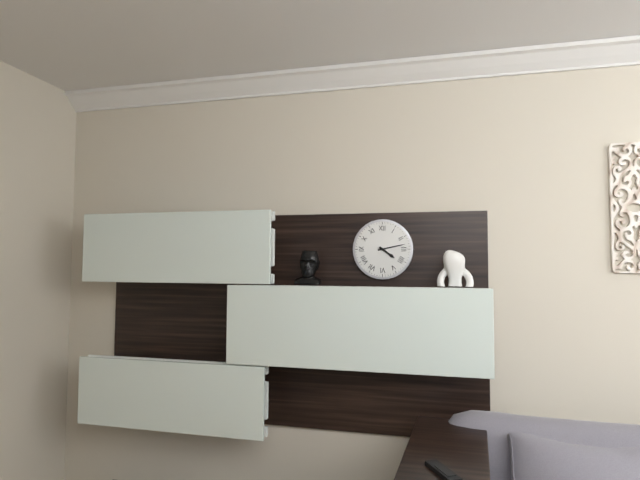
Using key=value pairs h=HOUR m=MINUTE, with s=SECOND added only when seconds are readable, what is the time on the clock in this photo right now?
h=4 m=13
